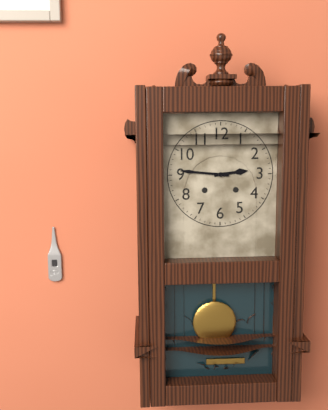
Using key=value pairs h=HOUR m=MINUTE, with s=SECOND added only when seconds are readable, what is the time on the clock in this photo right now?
h=2 m=46
